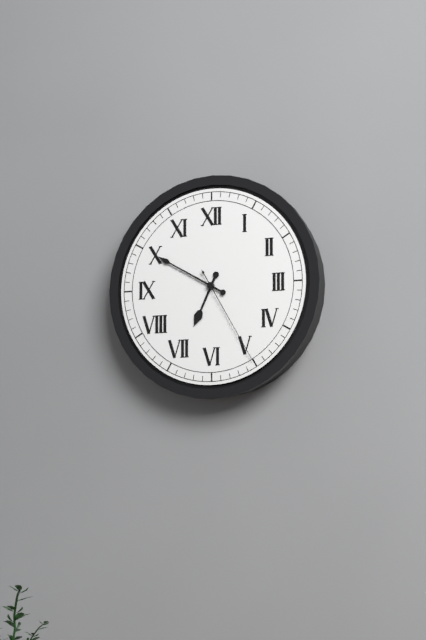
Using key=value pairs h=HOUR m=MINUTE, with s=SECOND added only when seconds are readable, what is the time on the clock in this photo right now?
h=6 m=50 s=25
